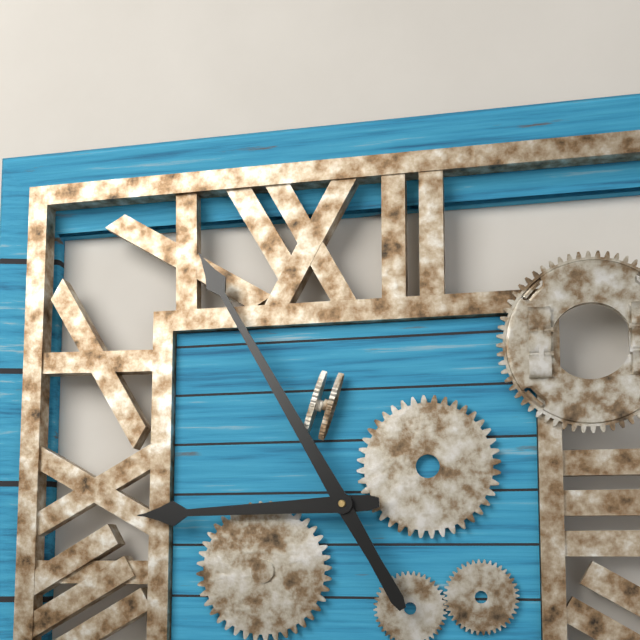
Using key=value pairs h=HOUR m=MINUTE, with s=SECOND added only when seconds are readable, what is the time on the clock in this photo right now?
h=8 m=55
